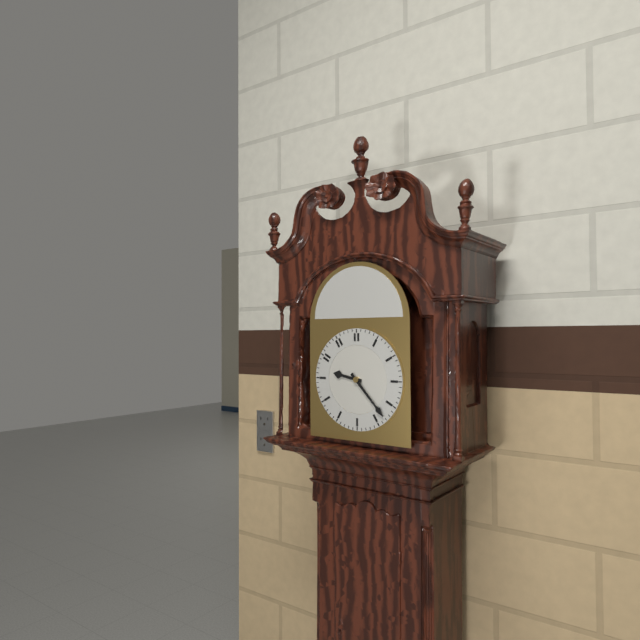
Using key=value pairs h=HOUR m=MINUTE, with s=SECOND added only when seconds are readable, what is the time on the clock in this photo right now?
h=9 m=23
